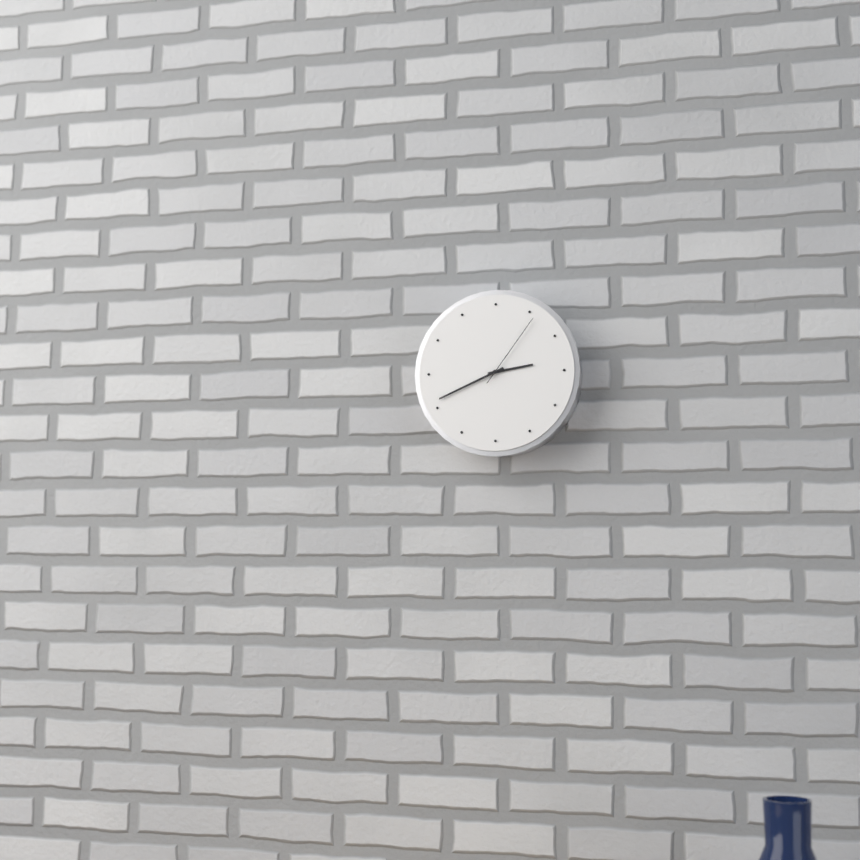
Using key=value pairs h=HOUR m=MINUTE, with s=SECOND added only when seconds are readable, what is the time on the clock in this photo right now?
h=2 m=41 s=6
